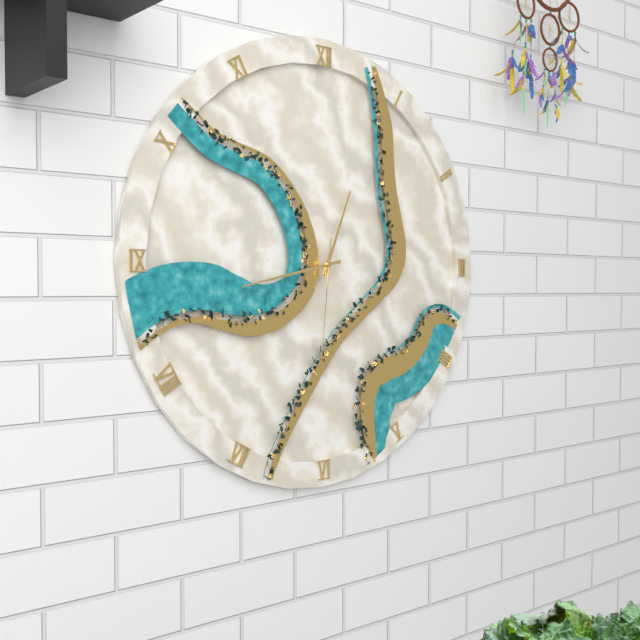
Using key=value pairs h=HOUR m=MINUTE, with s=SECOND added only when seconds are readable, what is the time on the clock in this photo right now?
h=12 m=43 s=31
